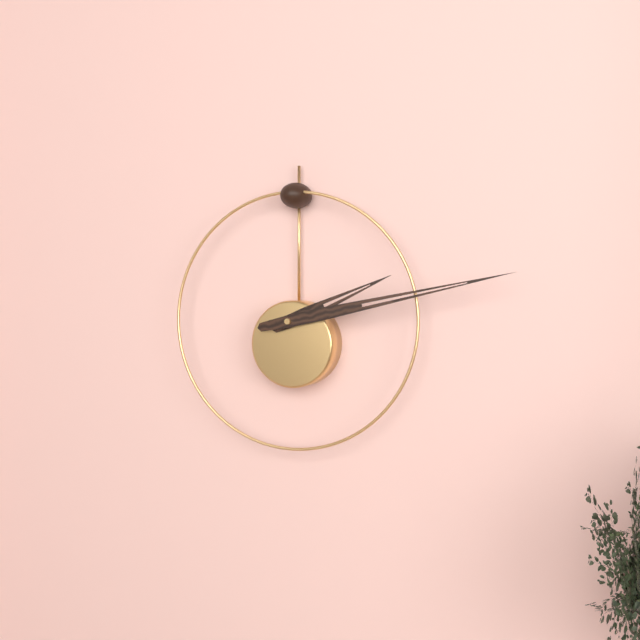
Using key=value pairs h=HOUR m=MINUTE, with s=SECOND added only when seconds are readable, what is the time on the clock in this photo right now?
h=2 m=13
